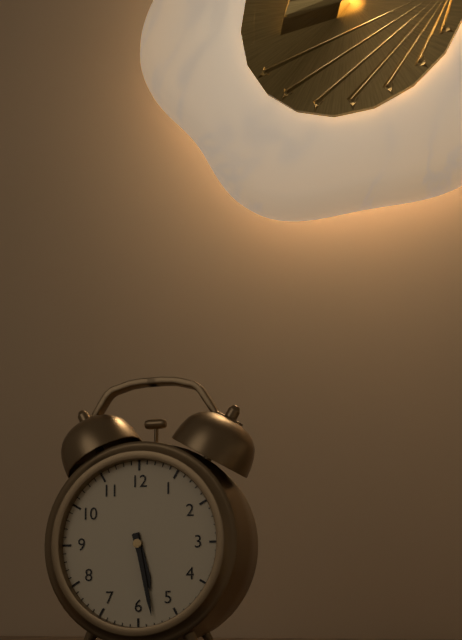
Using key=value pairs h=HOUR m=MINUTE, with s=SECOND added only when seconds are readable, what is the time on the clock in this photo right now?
h=5 m=28
